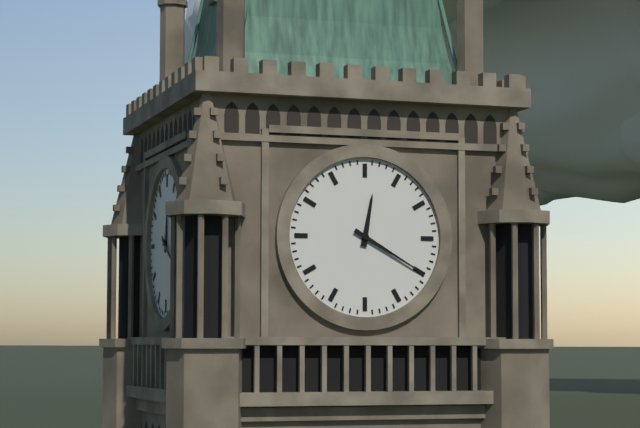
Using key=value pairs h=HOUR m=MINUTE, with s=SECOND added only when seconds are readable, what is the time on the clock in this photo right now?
h=12 m=20
